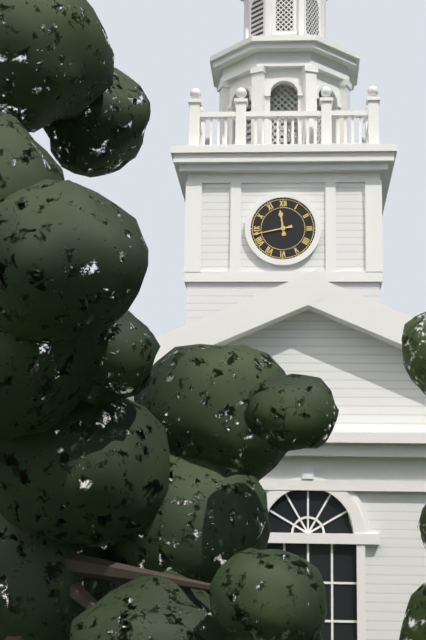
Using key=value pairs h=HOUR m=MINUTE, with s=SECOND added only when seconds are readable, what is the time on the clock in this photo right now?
h=11 m=43
